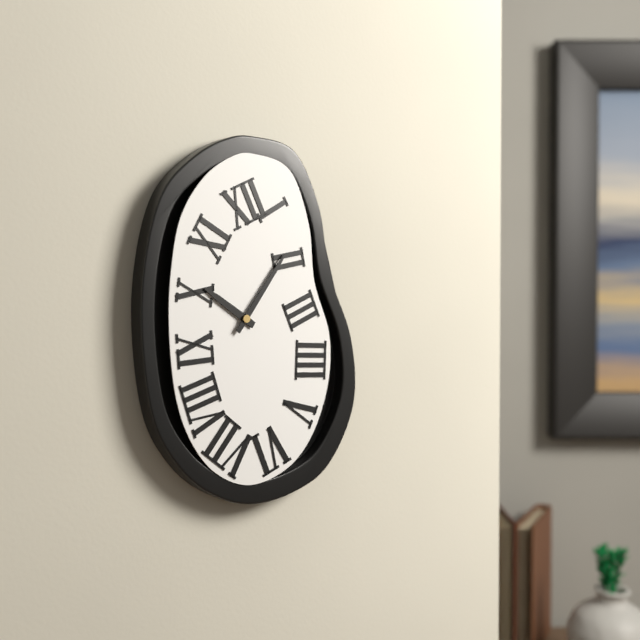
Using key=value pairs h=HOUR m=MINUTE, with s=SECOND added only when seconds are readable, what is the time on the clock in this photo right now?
h=10 m=6
